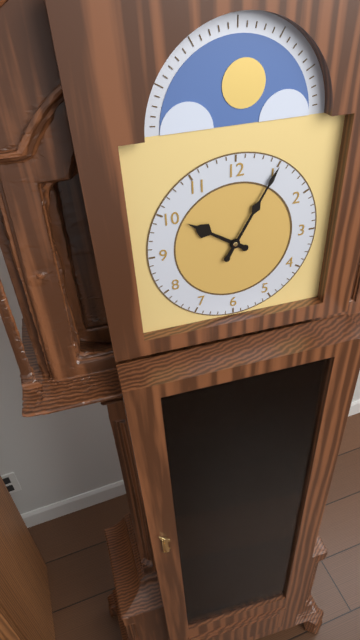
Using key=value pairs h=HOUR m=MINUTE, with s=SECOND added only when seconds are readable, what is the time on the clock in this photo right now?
h=10 m=5
